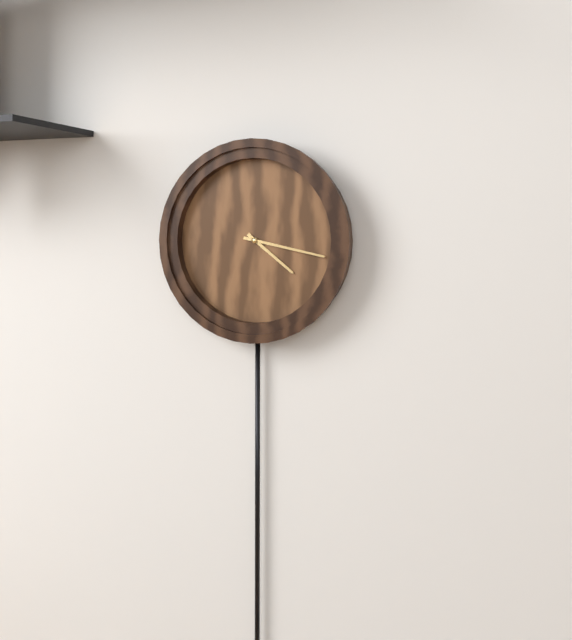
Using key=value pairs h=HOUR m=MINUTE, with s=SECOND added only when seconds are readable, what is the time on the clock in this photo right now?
h=4 m=17
